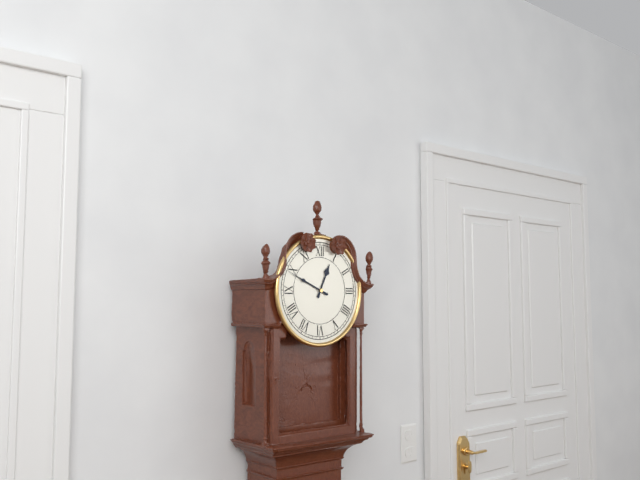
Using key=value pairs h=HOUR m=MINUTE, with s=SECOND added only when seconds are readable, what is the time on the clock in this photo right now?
h=12 m=49
